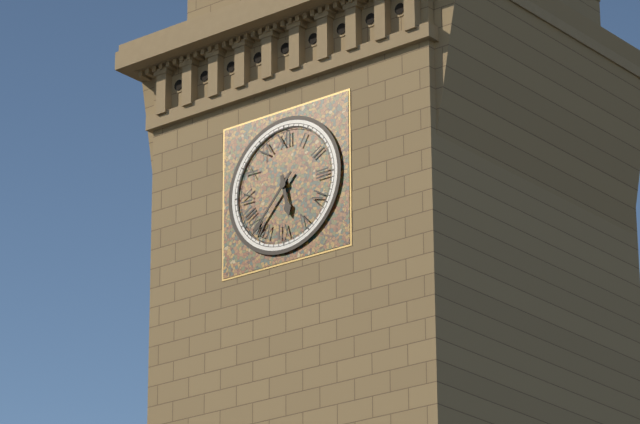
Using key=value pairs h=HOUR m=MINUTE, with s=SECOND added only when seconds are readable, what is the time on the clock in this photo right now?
h=5 m=37
